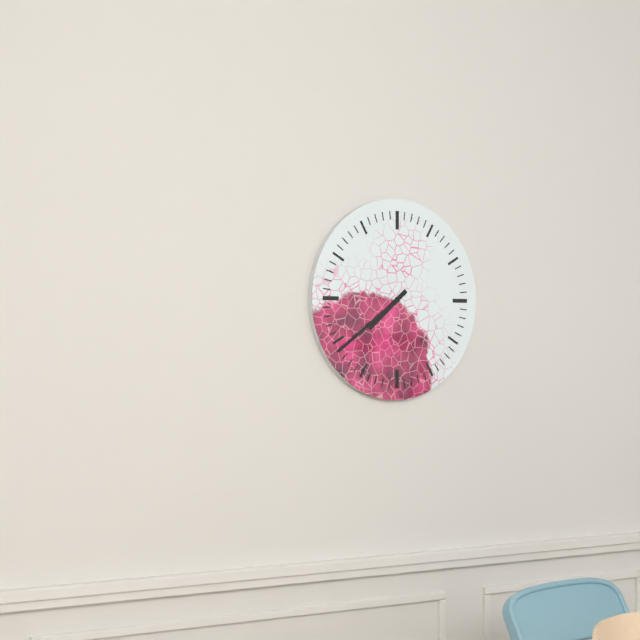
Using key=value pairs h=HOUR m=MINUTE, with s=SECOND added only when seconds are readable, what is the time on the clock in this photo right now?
h=7 m=39
